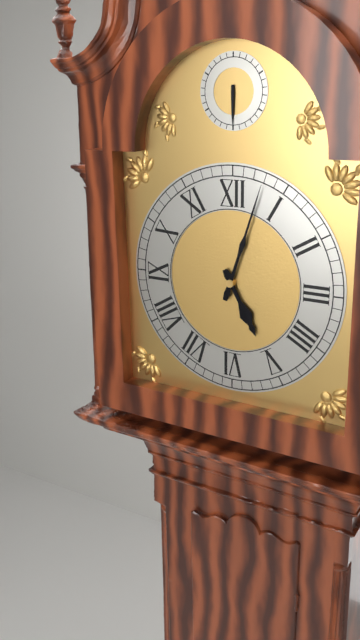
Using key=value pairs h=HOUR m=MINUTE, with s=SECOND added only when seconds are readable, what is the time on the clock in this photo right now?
h=5 m=3
